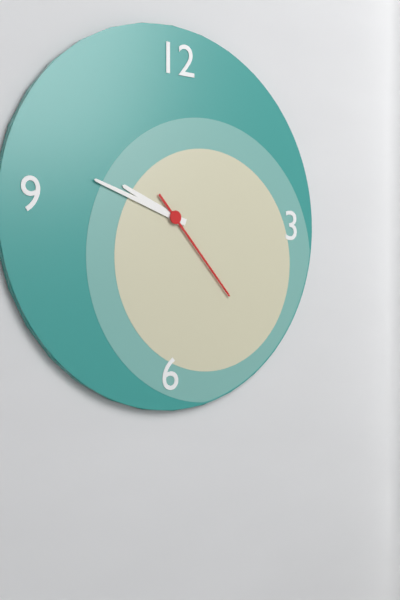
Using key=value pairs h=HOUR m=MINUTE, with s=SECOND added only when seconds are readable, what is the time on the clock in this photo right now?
h=9 m=48 s=23
